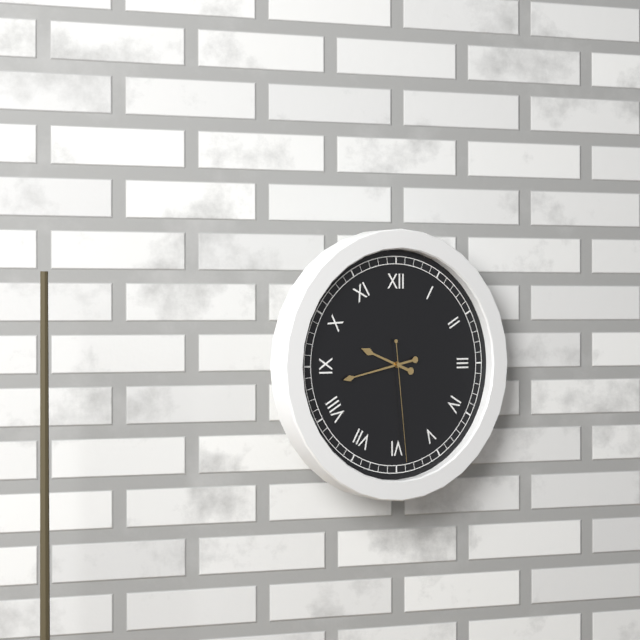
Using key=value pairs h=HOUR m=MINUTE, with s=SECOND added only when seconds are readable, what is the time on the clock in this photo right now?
h=9 m=43 s=29
